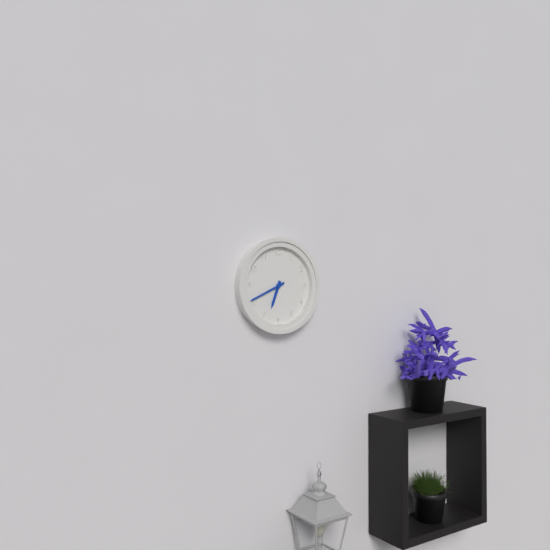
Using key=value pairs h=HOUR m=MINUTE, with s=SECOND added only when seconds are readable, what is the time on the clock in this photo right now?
h=6 m=41
